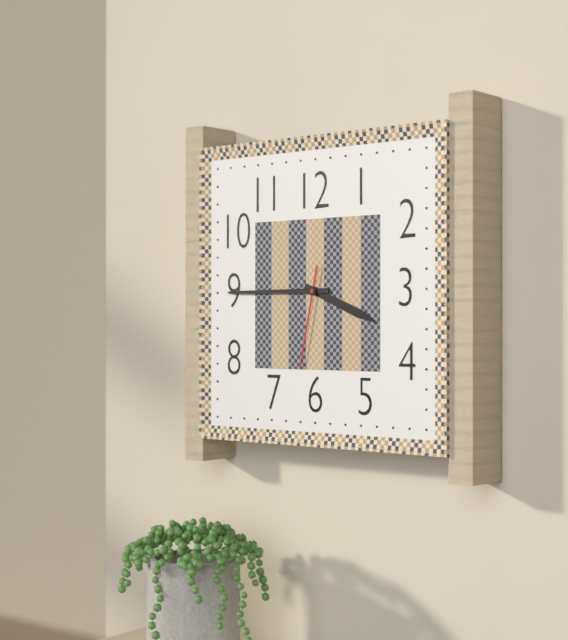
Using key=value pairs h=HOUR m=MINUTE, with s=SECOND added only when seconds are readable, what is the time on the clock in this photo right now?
h=3 m=45 s=32
